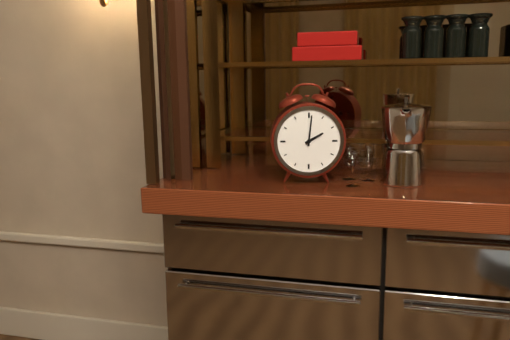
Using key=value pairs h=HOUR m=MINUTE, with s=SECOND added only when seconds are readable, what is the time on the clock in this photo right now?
h=2 m=1
